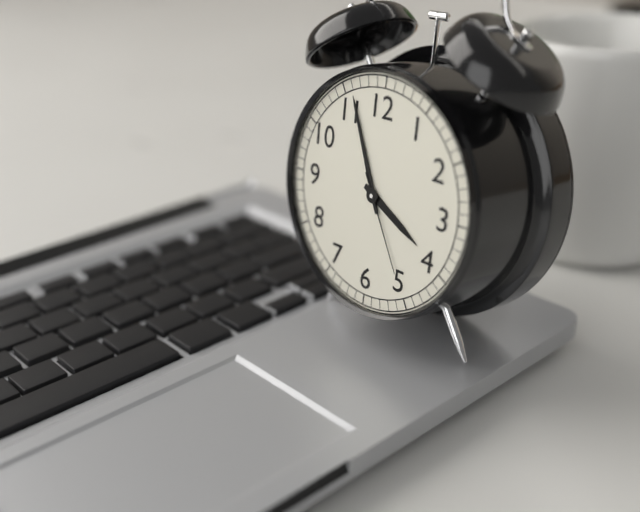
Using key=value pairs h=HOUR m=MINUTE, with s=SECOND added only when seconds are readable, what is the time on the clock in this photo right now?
h=3 m=56 s=25
